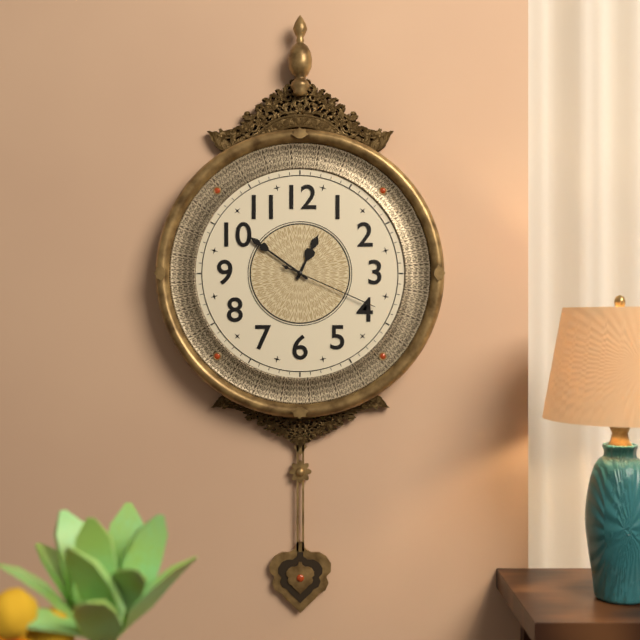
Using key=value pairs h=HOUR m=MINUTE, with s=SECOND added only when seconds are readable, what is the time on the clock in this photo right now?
h=12 m=51 s=19
